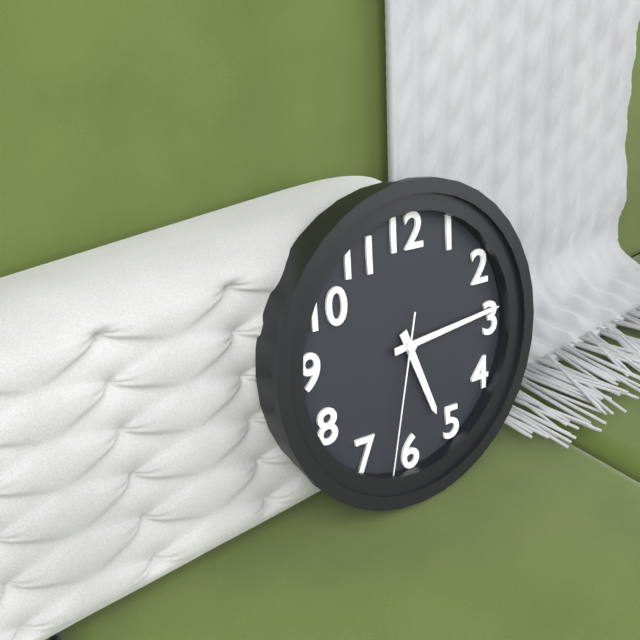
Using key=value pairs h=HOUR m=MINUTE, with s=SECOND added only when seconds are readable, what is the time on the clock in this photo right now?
h=5 m=14 s=32
